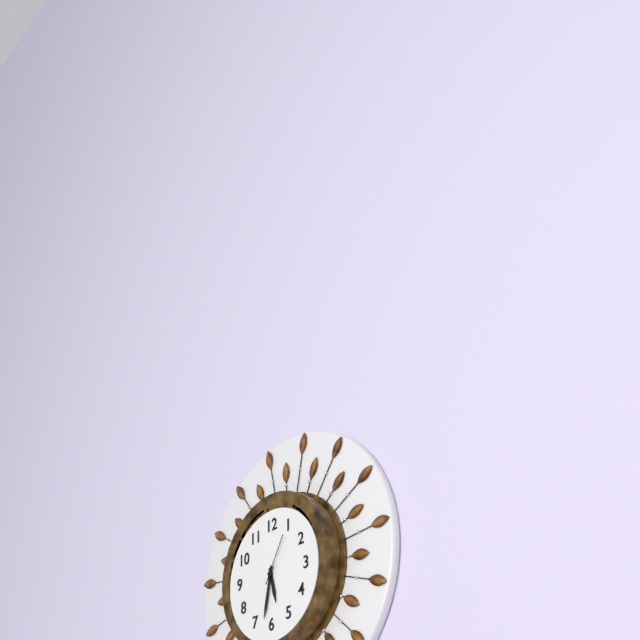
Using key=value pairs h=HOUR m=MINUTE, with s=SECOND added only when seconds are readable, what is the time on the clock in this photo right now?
h=5 m=32 s=5
